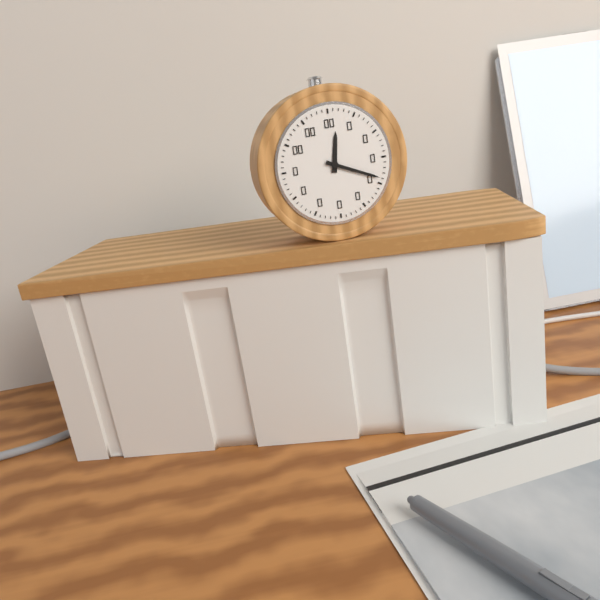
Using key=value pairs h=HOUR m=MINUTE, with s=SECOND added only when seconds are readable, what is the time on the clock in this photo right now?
h=12 m=19
